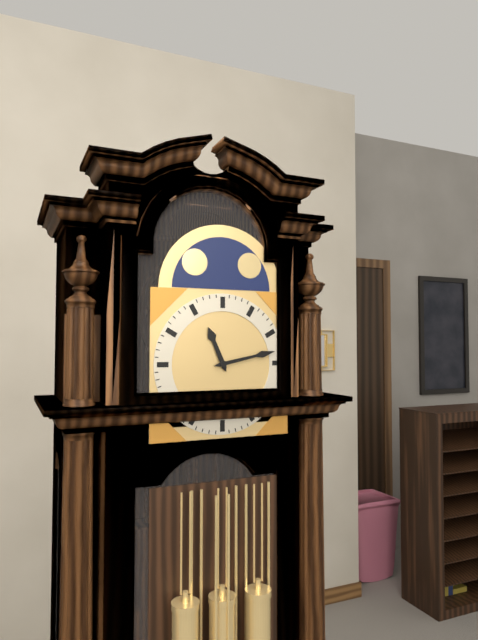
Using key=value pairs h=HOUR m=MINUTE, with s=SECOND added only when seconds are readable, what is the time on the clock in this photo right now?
h=11 m=13
